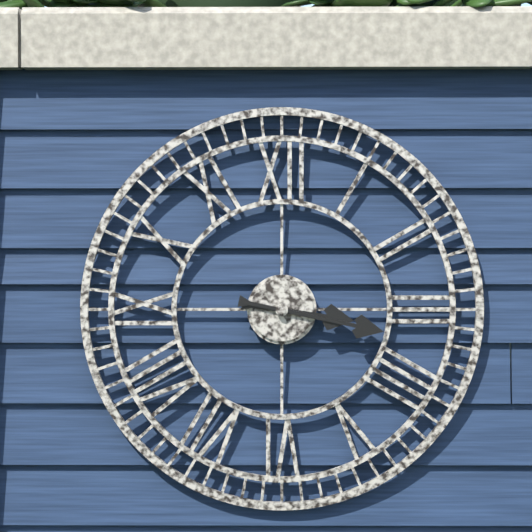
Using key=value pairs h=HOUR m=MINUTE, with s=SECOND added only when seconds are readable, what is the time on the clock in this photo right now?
h=3 m=17
